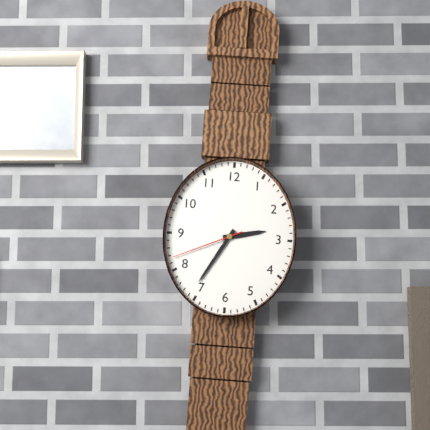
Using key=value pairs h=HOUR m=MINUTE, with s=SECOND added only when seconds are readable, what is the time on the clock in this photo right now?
h=2 m=35 s=41
